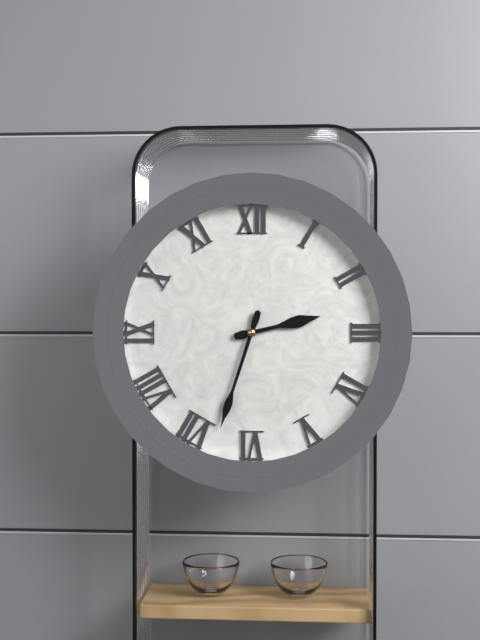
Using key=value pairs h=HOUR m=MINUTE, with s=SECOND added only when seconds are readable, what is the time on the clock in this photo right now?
h=2 m=33
